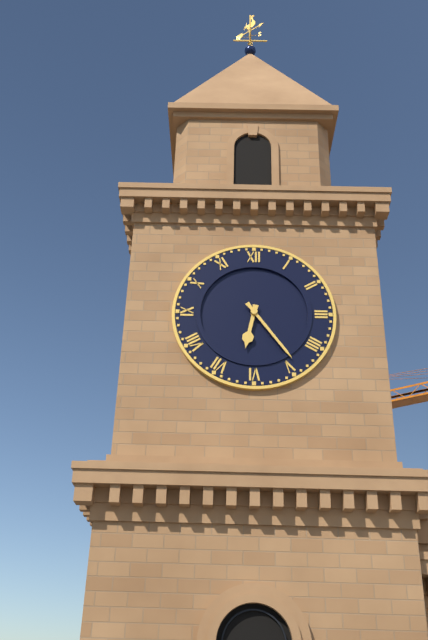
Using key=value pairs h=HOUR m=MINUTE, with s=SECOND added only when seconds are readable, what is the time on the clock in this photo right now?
h=6 m=24
